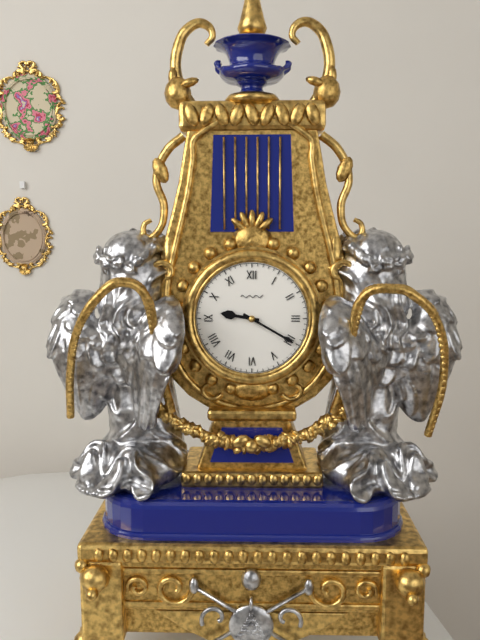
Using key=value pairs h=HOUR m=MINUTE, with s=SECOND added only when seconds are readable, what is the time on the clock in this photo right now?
h=9 m=20
